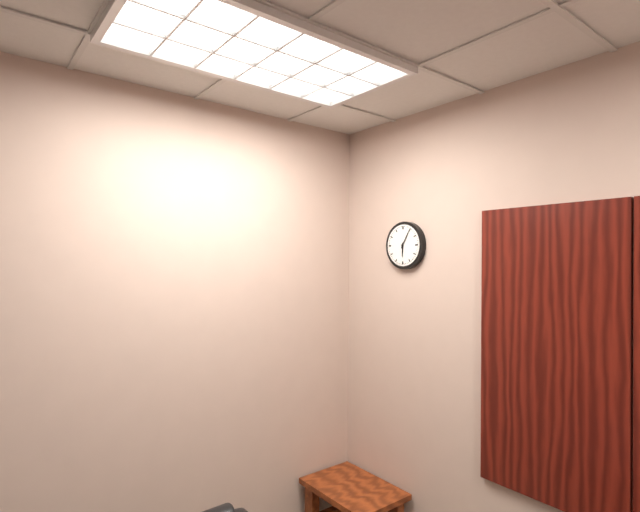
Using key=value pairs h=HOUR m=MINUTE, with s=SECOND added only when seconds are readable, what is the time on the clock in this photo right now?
h=6 m=5
